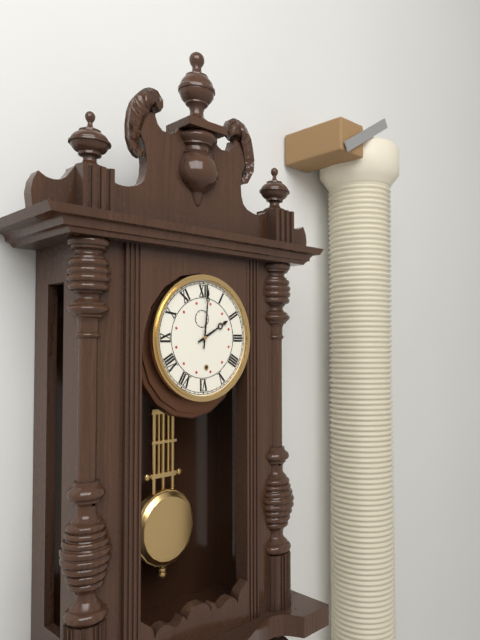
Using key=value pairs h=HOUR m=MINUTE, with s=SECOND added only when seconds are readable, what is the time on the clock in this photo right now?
h=2 m=1
